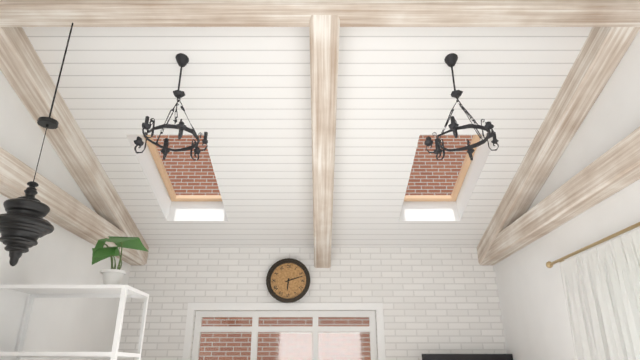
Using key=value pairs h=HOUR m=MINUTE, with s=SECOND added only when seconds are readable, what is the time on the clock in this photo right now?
h=6 m=12
